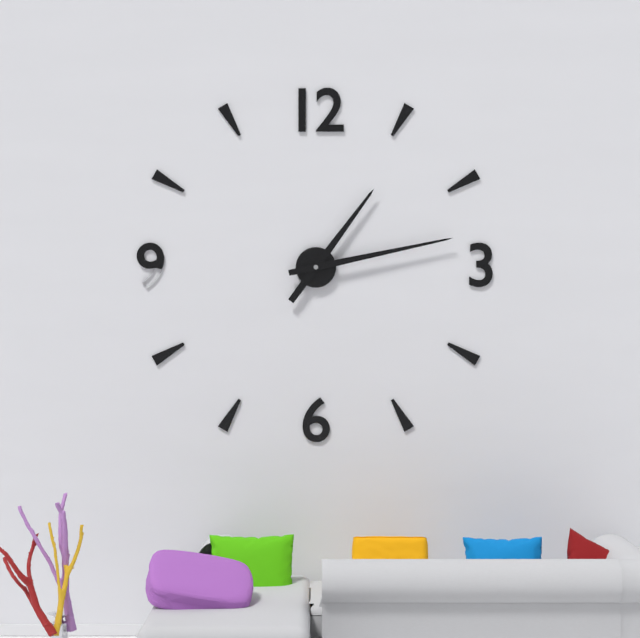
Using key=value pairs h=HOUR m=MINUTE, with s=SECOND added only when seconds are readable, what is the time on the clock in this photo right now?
h=1 m=13
